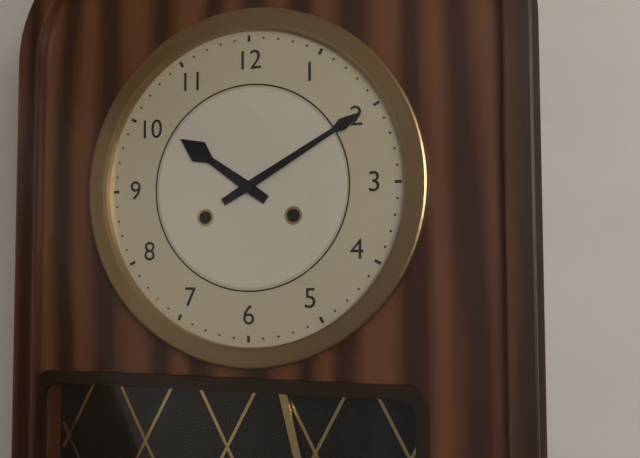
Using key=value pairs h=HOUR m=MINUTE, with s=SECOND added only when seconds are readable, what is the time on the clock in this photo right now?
h=10 m=10
